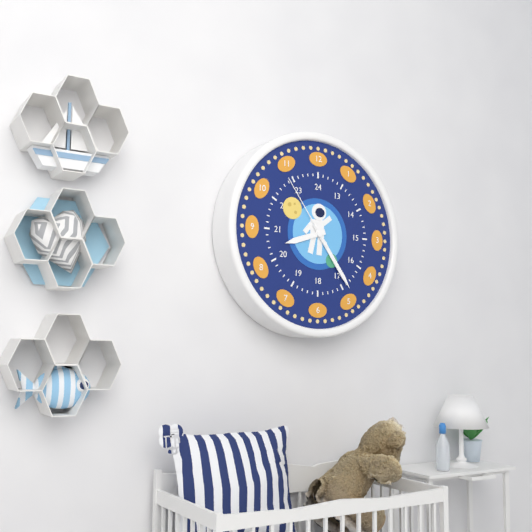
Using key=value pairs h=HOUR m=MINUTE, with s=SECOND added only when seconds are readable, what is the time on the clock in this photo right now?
h=8 m=24 s=54
